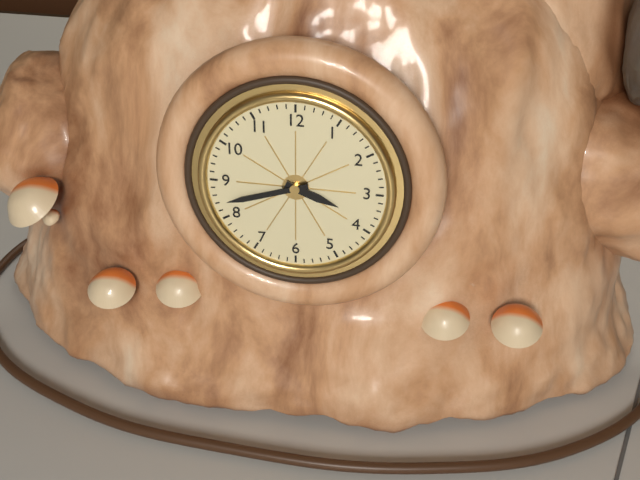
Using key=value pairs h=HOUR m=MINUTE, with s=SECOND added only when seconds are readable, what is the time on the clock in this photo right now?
h=3 m=42
